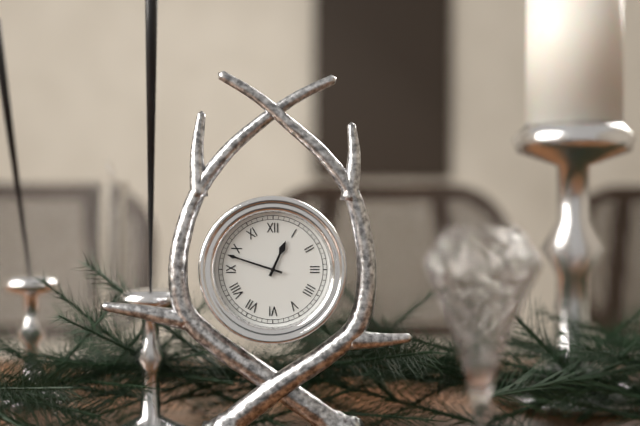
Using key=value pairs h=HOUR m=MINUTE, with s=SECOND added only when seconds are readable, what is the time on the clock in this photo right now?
h=12 m=48
